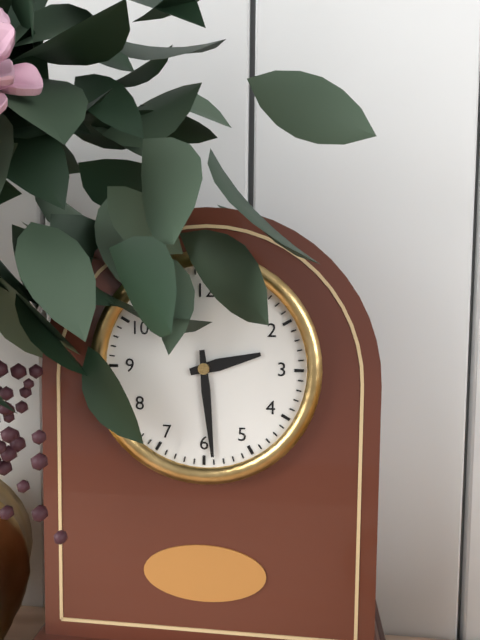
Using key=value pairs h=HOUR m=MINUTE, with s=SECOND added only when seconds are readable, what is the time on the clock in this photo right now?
h=2 m=29
